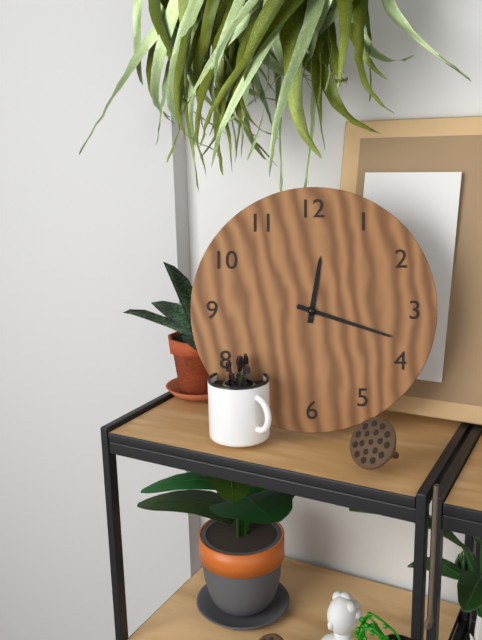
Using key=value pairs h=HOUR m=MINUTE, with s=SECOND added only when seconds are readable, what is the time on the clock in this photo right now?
h=12 m=18
